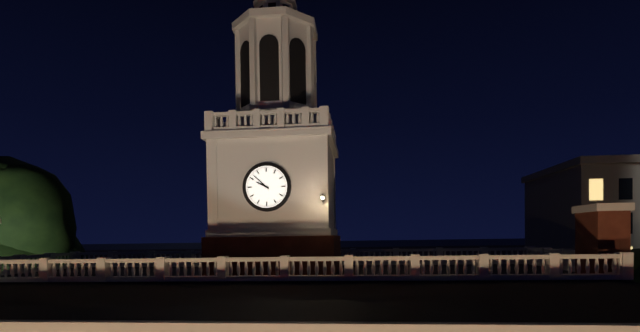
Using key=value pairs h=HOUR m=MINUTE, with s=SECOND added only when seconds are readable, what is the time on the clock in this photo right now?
h=9 m=52
